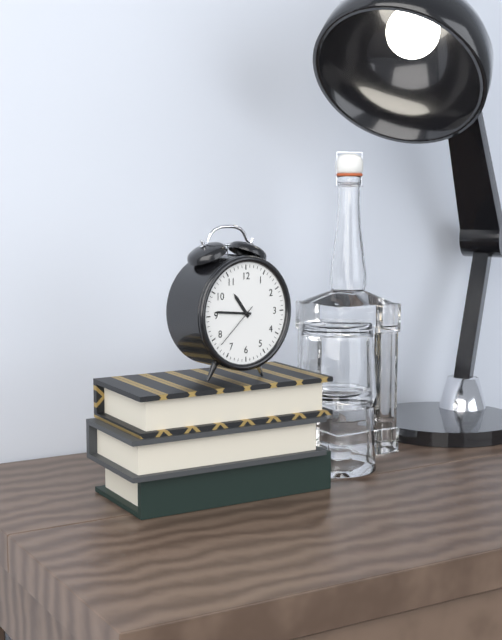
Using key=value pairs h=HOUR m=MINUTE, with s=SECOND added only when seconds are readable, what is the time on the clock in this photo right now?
h=10 m=46 s=38
